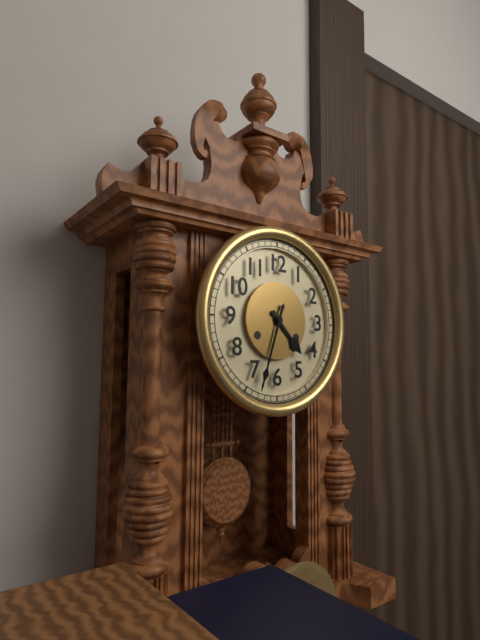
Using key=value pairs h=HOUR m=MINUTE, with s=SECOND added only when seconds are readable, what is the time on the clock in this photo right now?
h=4 m=33
